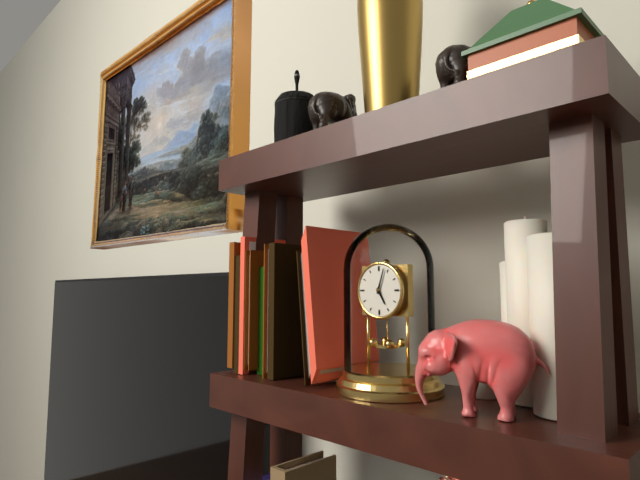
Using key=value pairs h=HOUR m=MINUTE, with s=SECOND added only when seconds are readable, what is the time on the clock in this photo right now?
h=5 m=3
